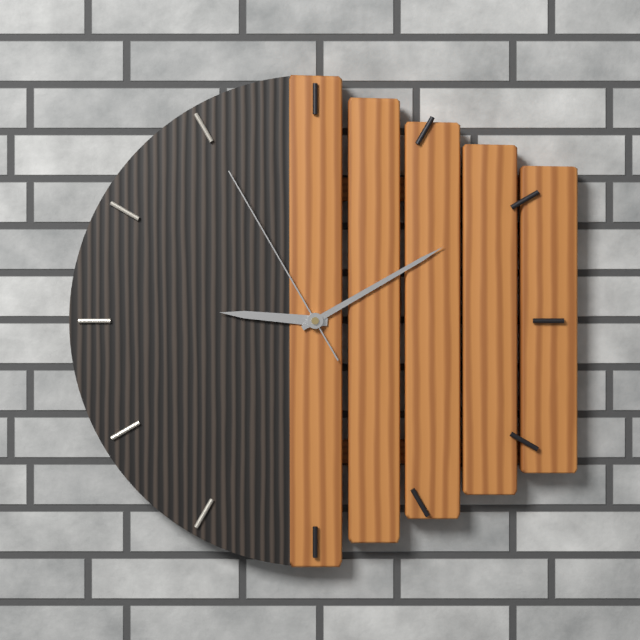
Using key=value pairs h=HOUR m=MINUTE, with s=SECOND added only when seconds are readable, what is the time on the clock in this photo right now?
h=9 m=10 s=55
